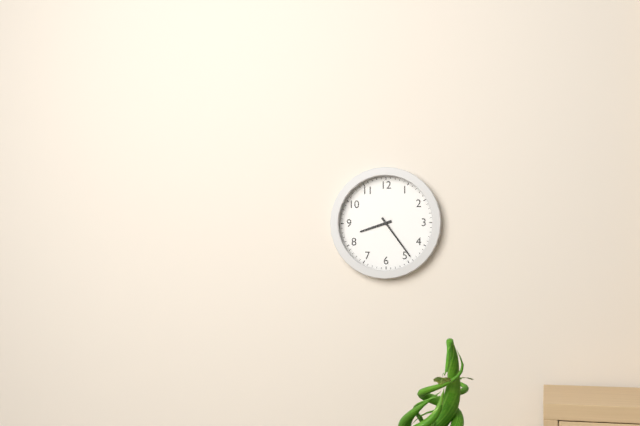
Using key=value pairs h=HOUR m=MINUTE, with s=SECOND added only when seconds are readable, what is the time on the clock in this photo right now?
h=8 m=24
